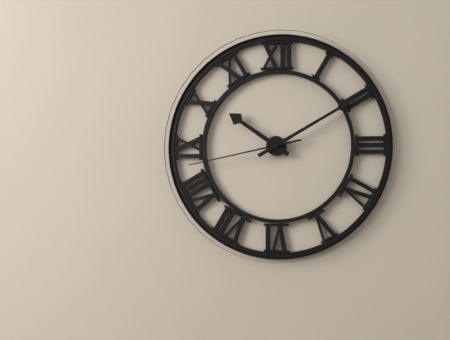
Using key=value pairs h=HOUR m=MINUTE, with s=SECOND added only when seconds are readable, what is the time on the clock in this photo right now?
h=10 m=10 s=43
